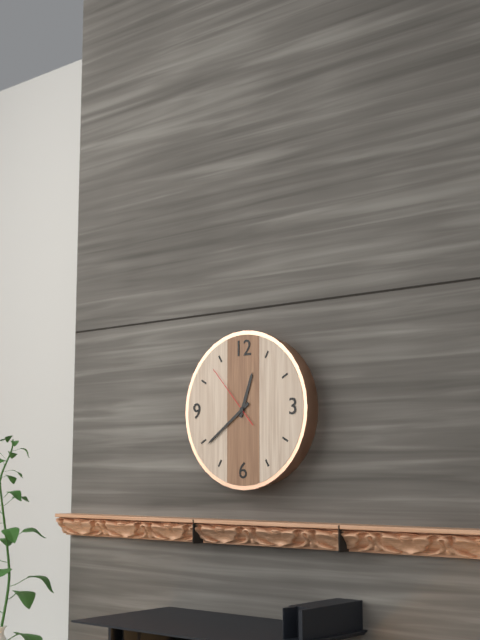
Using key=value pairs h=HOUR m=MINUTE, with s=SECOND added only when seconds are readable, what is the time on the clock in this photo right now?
h=12 m=39 s=53
